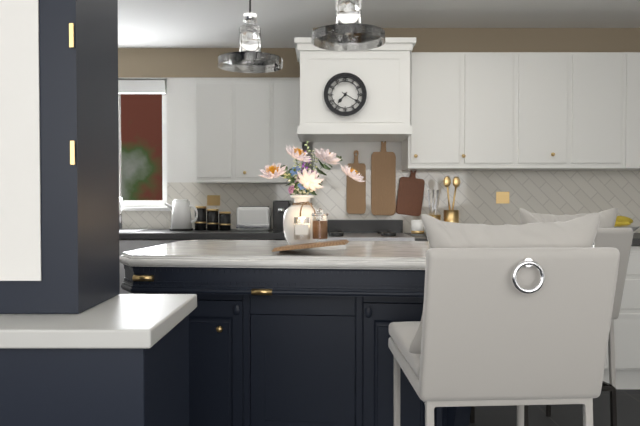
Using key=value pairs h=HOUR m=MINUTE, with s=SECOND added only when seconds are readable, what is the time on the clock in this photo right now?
h=7 m=20
